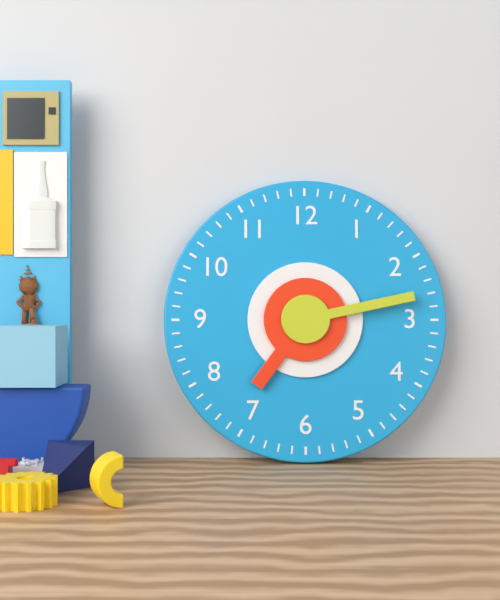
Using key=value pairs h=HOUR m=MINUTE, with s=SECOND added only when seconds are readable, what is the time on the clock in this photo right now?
h=7 m=13
